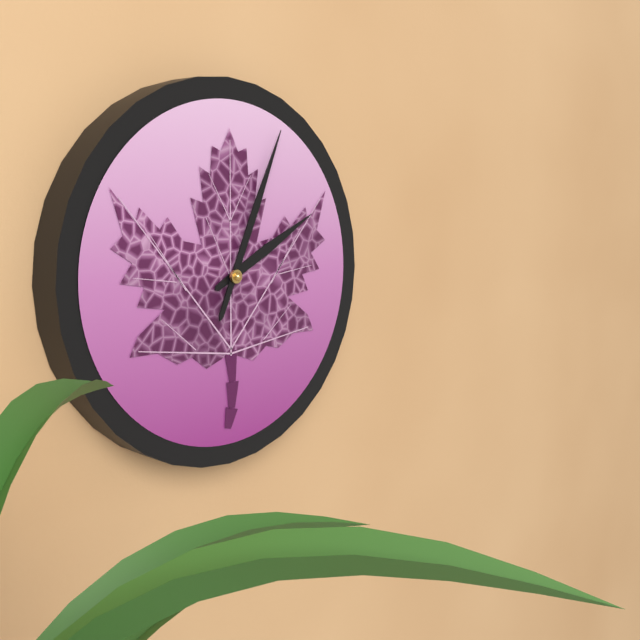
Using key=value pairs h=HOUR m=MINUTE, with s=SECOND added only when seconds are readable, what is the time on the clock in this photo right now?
h=2 m=4
